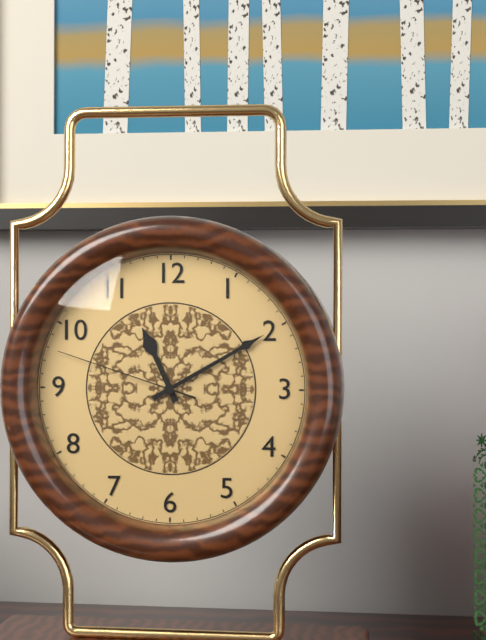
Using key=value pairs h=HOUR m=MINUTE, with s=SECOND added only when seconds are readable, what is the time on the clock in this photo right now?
h=11 m=10 s=48
